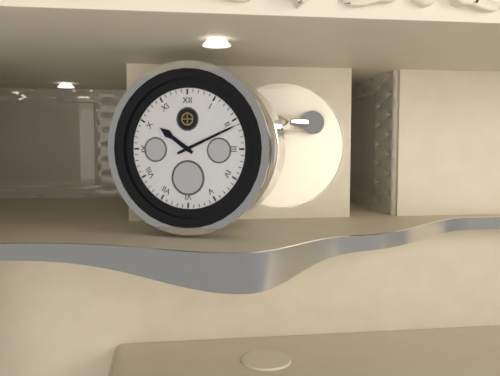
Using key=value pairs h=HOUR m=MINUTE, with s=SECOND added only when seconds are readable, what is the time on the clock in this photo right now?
h=10 m=11
